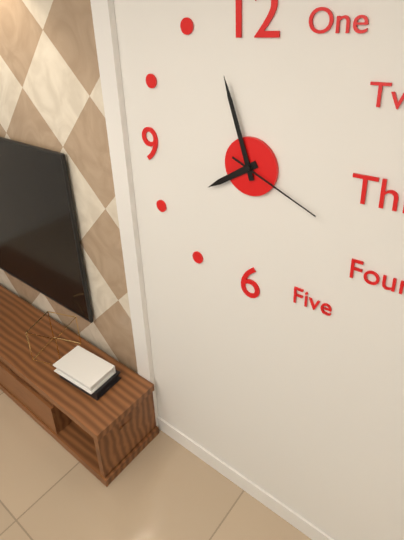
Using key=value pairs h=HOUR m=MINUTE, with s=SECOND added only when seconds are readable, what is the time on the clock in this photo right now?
h=7 m=57 s=19
